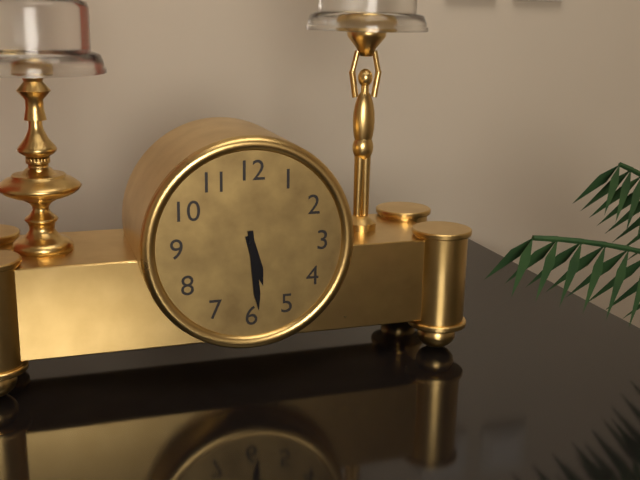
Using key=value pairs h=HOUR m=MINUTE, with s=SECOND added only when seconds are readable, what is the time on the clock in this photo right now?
h=5 m=29
